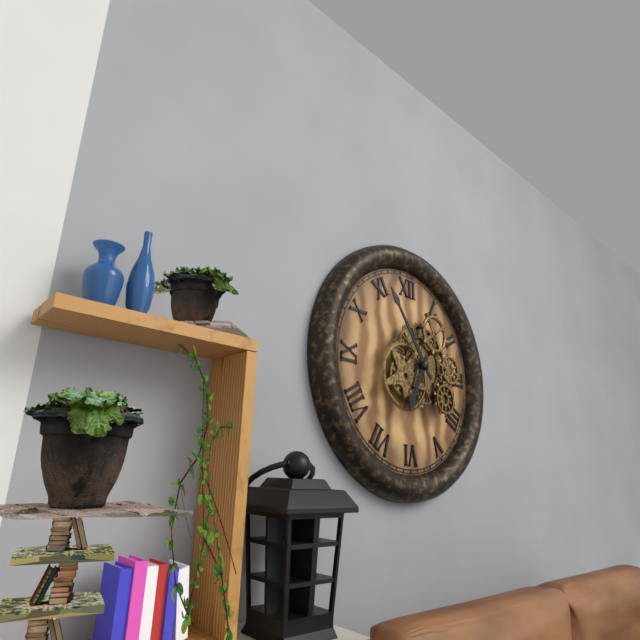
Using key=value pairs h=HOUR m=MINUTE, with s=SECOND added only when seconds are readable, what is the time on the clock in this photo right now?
h=6 m=54
